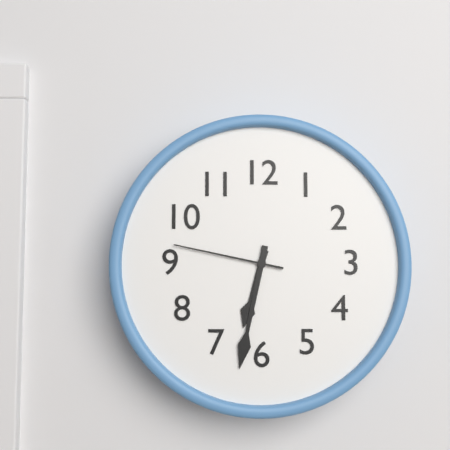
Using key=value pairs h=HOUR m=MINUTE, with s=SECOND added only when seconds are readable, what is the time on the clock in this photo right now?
h=6 m=32 s=47
